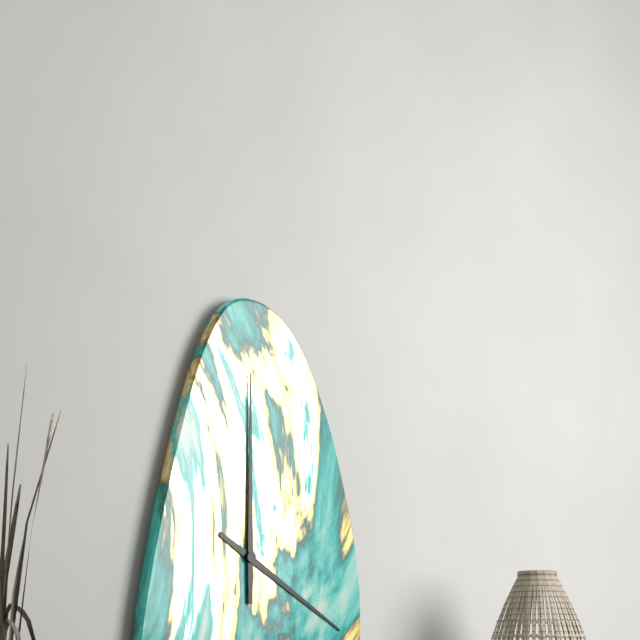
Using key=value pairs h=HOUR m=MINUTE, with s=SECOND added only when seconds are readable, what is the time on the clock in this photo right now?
h=4 m=0
